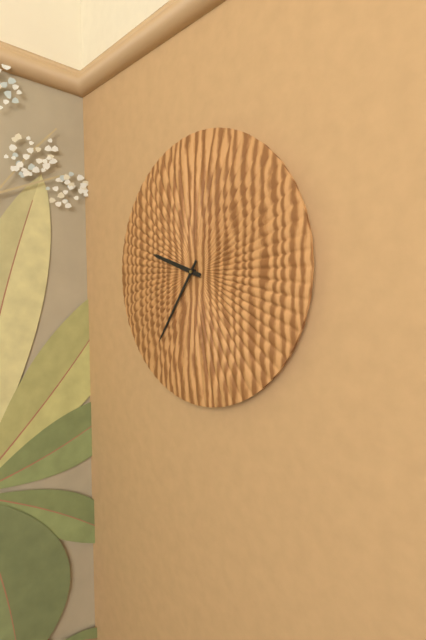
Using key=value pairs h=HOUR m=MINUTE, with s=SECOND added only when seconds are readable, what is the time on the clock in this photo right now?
h=9 m=36
